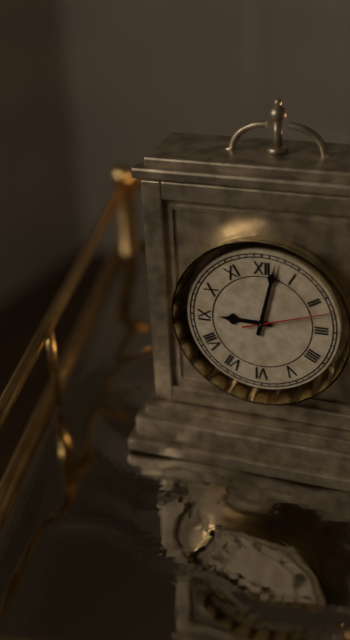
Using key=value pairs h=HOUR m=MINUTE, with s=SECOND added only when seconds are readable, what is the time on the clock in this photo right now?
h=9 m=2 s=12
